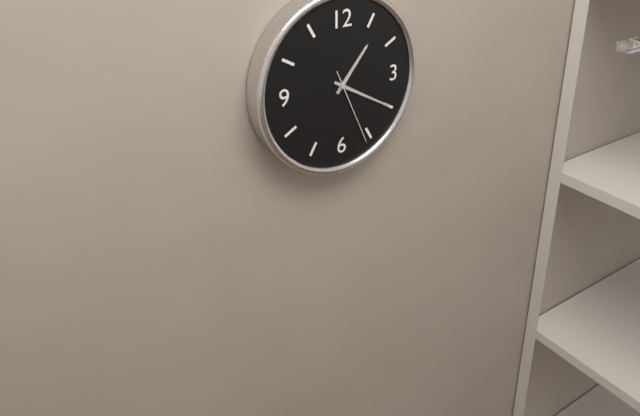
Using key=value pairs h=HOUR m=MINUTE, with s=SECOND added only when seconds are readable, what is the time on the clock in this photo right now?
h=1 m=20 s=26
